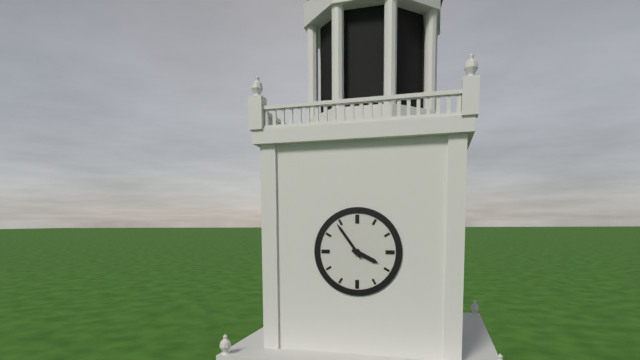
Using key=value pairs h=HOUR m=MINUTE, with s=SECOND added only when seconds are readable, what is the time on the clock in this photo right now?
h=3 m=54
